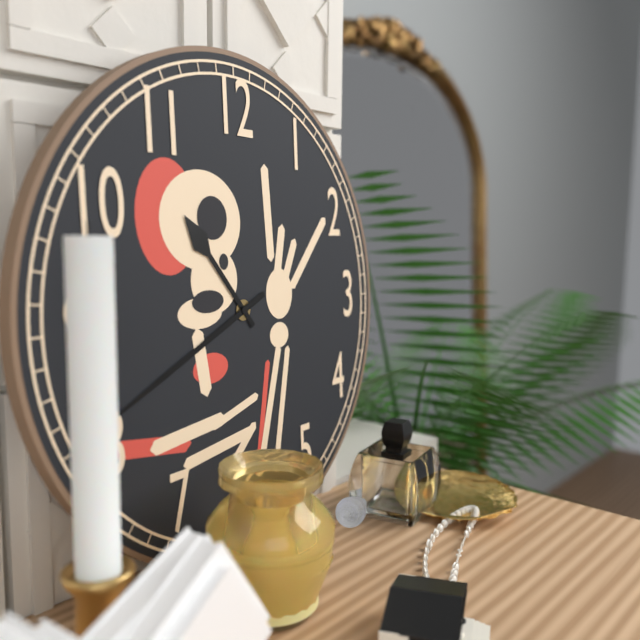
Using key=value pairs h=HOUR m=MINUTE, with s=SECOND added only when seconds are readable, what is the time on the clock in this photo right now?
h=10 m=41
